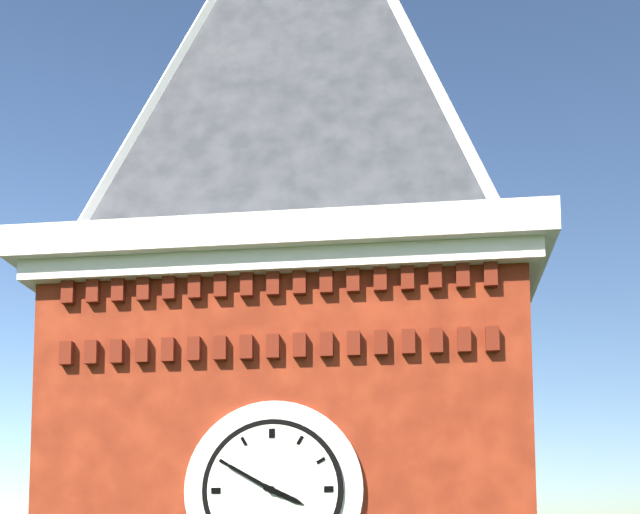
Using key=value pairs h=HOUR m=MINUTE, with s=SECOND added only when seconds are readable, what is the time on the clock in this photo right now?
h=3 m=50
